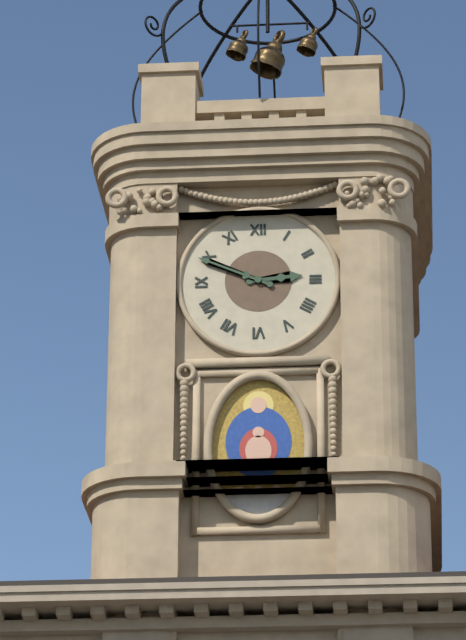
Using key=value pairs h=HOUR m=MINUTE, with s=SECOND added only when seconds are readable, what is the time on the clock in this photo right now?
h=2 m=49
